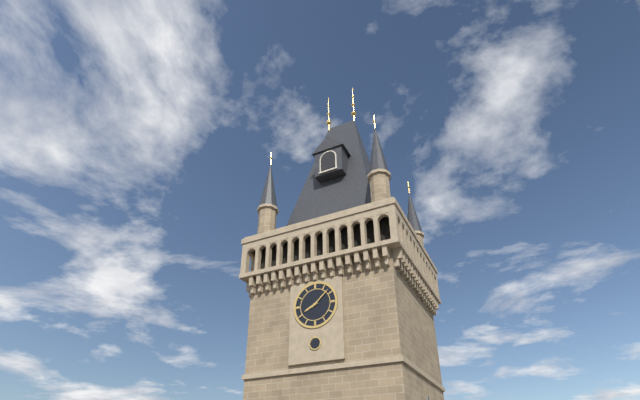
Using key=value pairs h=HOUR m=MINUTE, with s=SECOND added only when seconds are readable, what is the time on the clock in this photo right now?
h=8 m=8
